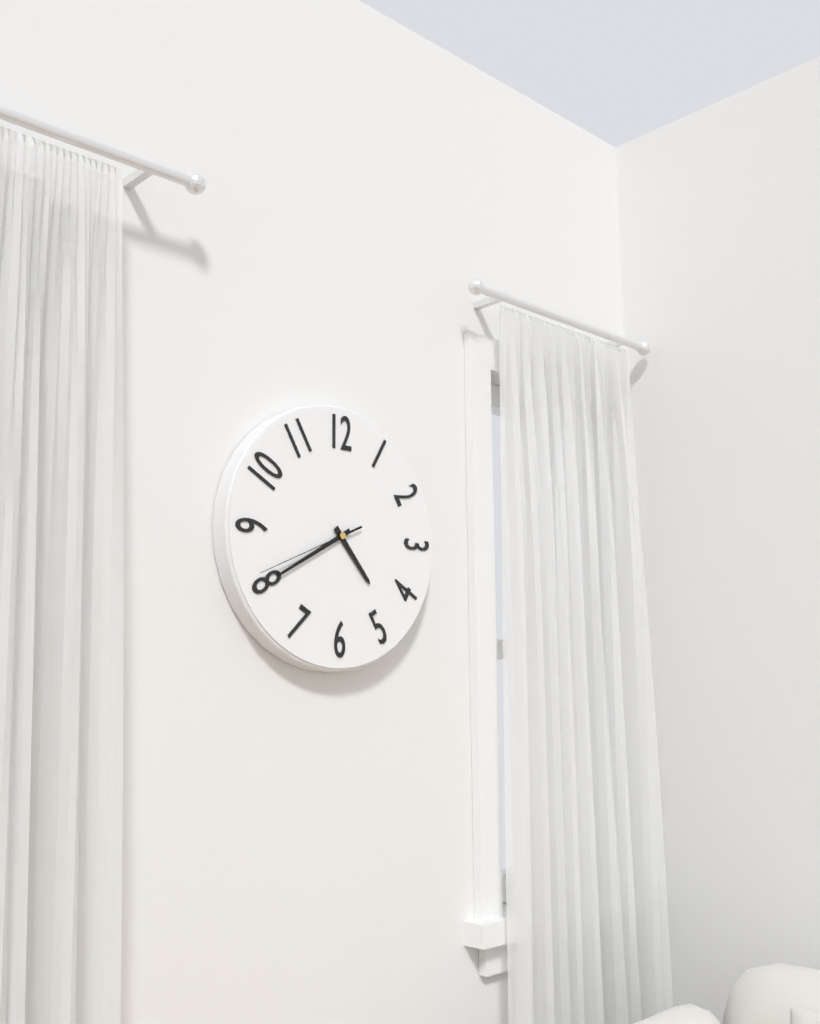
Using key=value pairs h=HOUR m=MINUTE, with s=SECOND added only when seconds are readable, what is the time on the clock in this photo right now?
h=4 m=40 s=41
